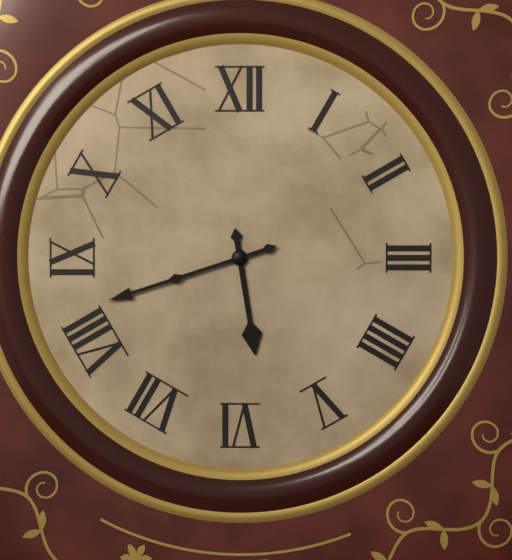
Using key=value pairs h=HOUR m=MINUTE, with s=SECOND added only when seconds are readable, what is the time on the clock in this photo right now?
h=5 m=42
